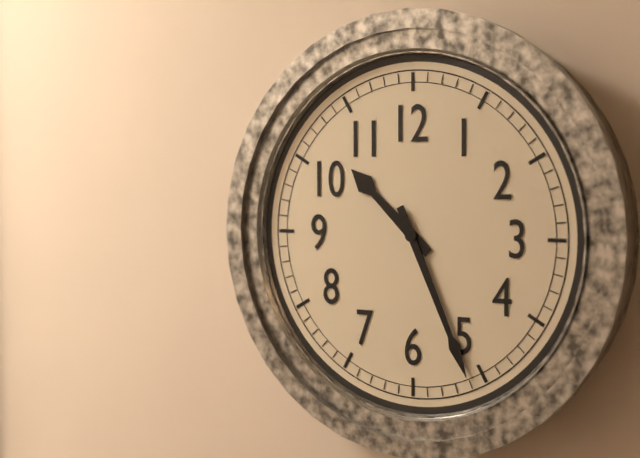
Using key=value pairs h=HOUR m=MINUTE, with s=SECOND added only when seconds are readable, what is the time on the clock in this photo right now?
h=10 m=26
